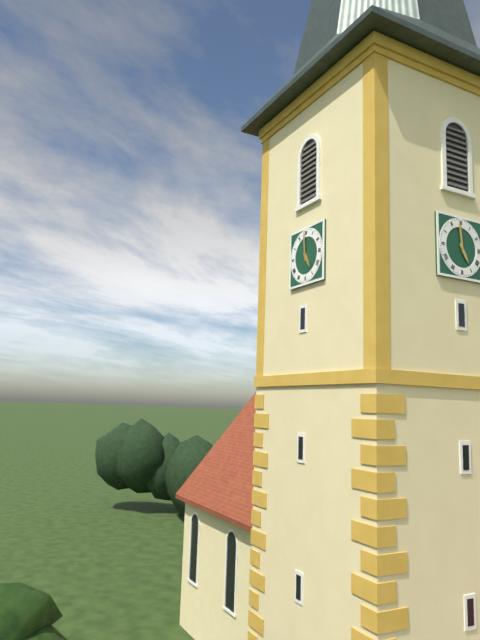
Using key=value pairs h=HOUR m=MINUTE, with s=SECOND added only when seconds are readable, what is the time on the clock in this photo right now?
h=4 m=59
